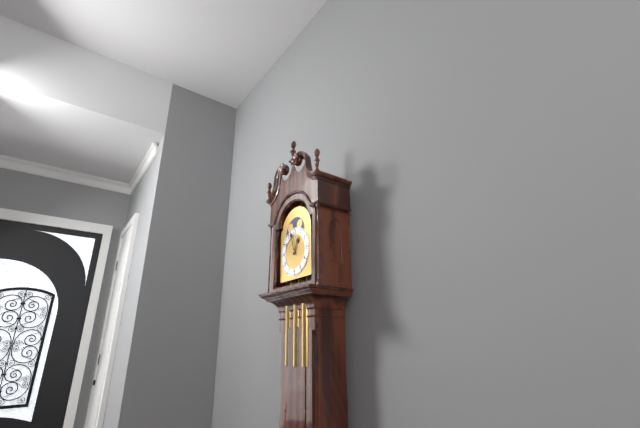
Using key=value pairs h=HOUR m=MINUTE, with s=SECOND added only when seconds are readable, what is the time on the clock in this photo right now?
h=12 m=57
